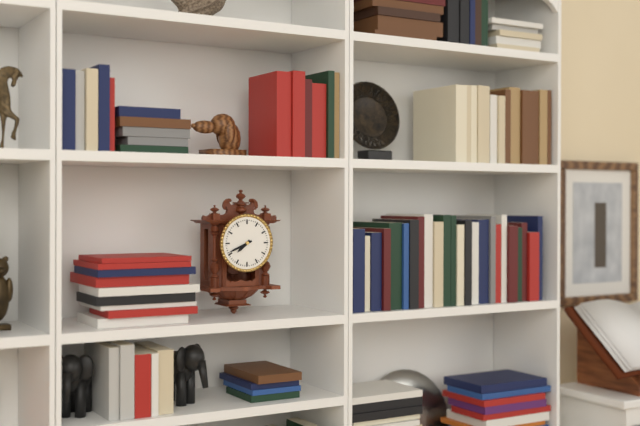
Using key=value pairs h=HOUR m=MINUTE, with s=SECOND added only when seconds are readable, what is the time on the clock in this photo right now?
h=7 m=41
